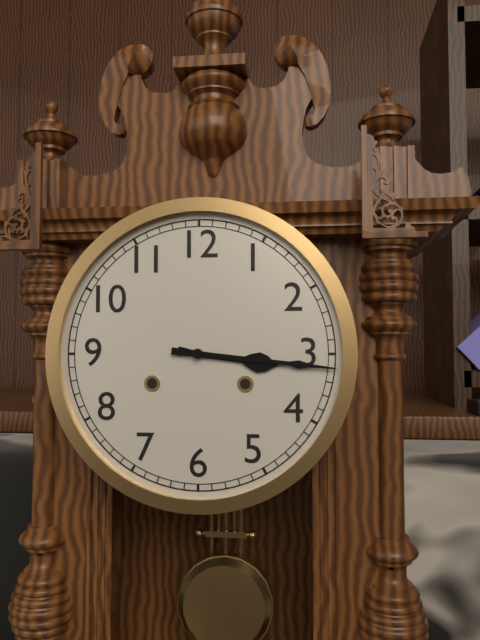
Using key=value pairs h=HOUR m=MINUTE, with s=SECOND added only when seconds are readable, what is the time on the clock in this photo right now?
h=3 m=16
